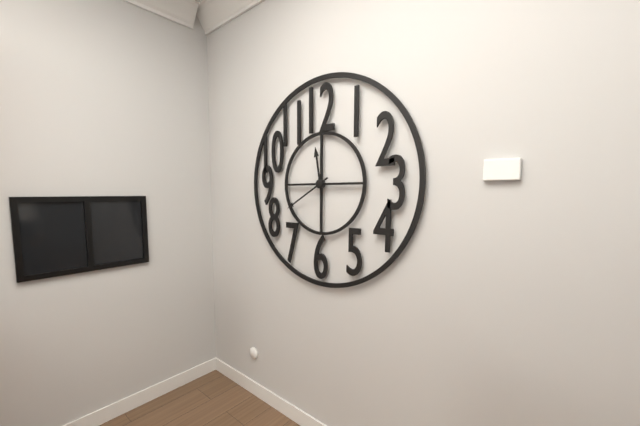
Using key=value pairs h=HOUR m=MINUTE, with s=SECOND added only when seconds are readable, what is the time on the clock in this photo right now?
h=11 m=40
